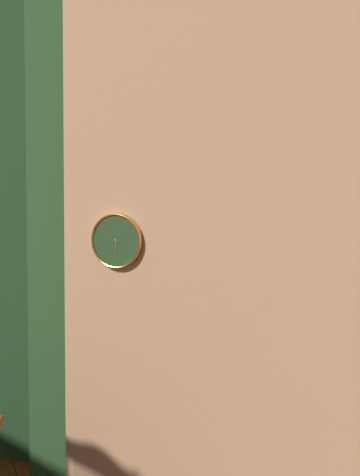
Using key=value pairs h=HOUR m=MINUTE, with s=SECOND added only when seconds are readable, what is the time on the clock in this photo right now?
h=5 m=53
